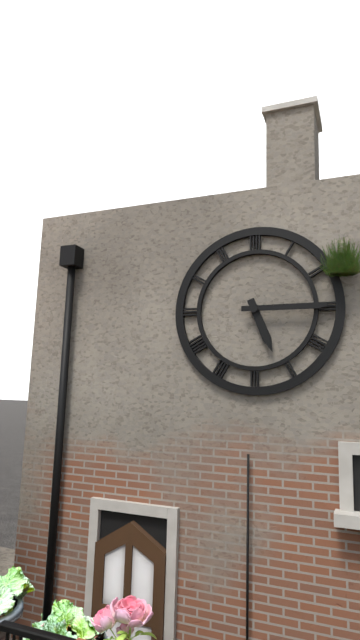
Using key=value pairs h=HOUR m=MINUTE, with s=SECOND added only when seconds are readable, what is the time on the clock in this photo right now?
h=5 m=15
